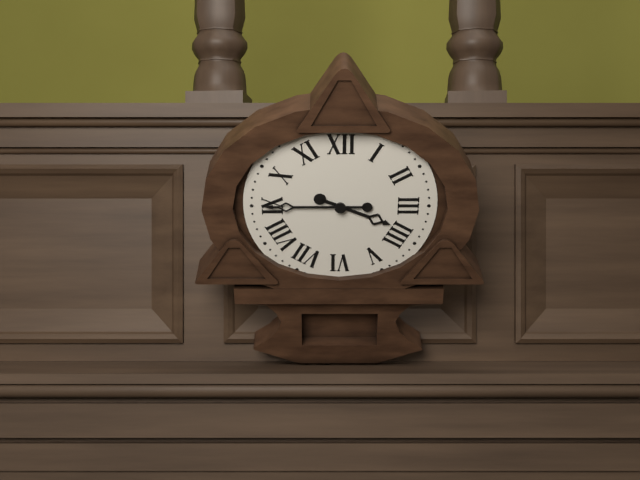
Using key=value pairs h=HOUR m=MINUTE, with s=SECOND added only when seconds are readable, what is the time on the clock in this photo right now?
h=3 m=45
